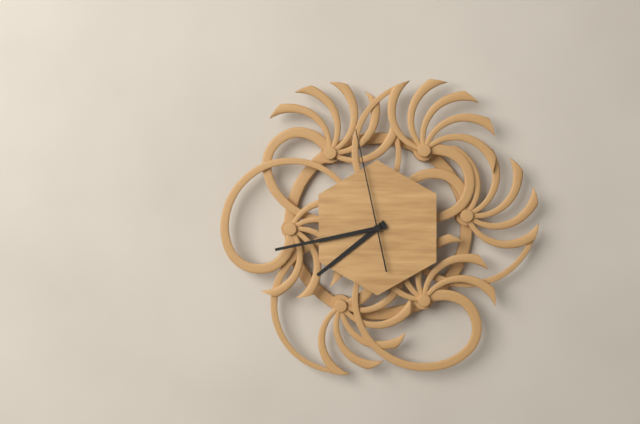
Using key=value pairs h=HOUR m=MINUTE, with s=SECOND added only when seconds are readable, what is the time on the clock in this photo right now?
h=7 m=43 s=58
